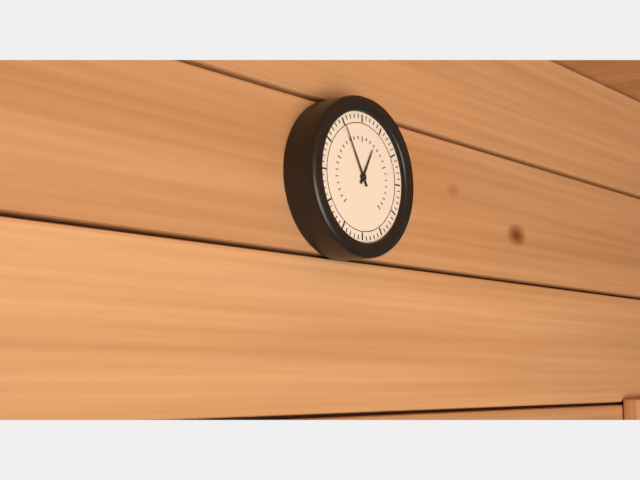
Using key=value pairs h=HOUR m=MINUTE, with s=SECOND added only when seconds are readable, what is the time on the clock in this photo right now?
h=12 m=55
